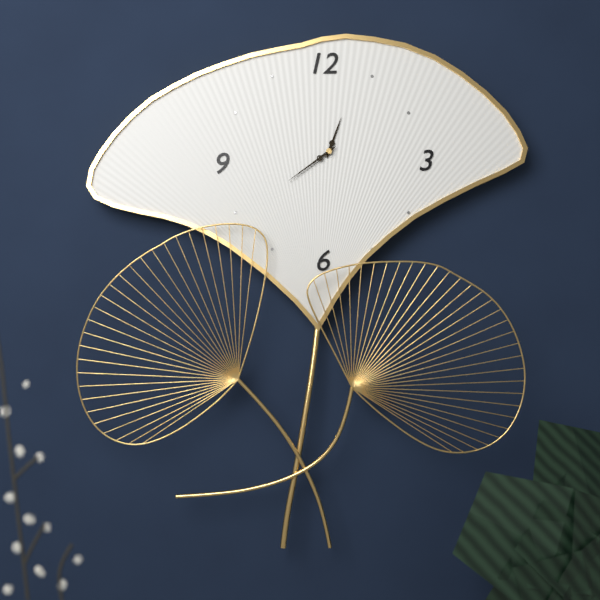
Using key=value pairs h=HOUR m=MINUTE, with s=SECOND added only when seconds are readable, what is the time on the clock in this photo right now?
h=12 m=39
